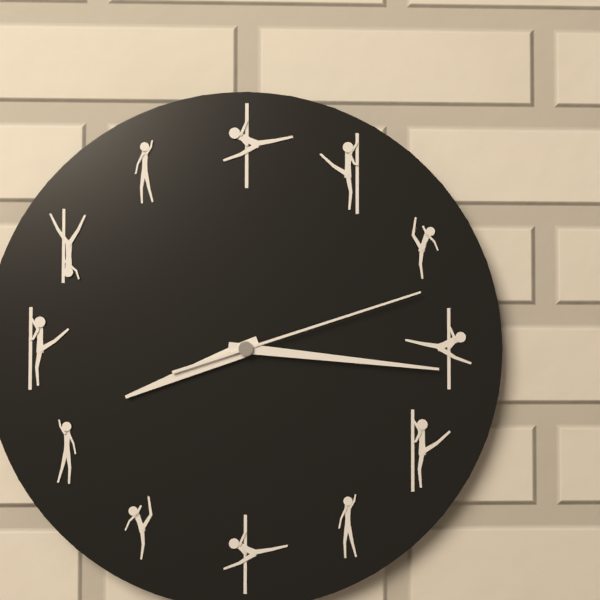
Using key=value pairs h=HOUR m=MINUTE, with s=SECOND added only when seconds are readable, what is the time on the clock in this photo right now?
h=8 m=16 s=12
